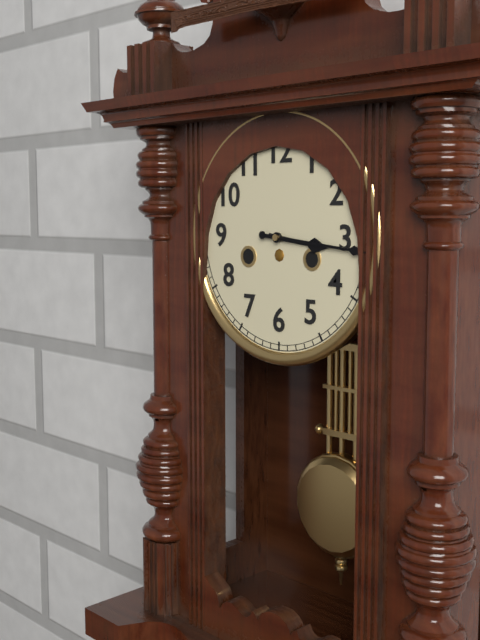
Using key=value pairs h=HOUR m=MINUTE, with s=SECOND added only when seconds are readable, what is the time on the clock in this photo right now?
h=3 m=16
